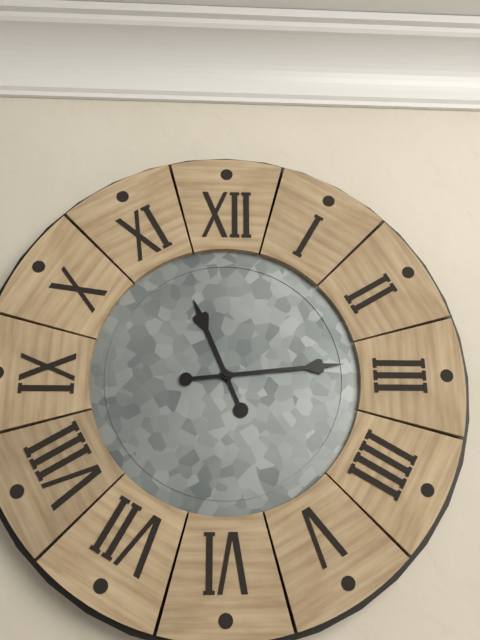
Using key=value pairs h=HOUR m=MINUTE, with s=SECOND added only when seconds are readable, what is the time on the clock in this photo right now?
h=11 m=14
